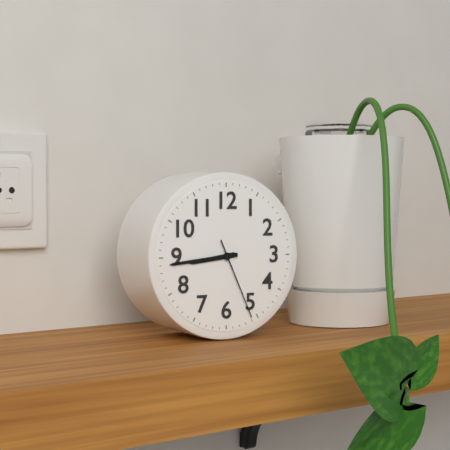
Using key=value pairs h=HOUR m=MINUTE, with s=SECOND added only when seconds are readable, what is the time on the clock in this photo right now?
h=8 m=44 s=26
